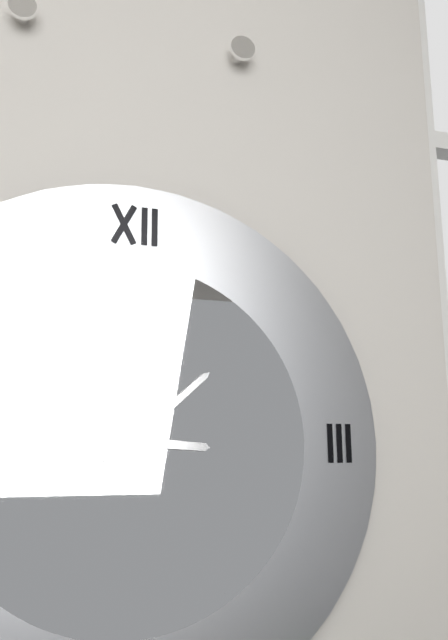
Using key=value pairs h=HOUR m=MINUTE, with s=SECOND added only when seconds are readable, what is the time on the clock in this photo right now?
h=3 m=8
